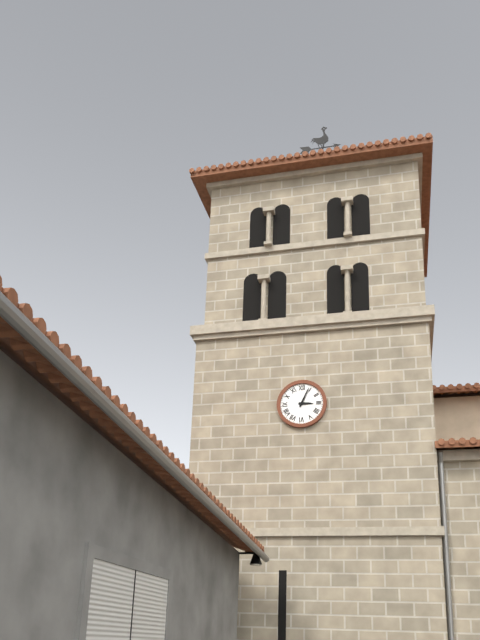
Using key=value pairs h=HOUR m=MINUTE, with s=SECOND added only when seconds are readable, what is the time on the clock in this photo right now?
h=3 m=4
